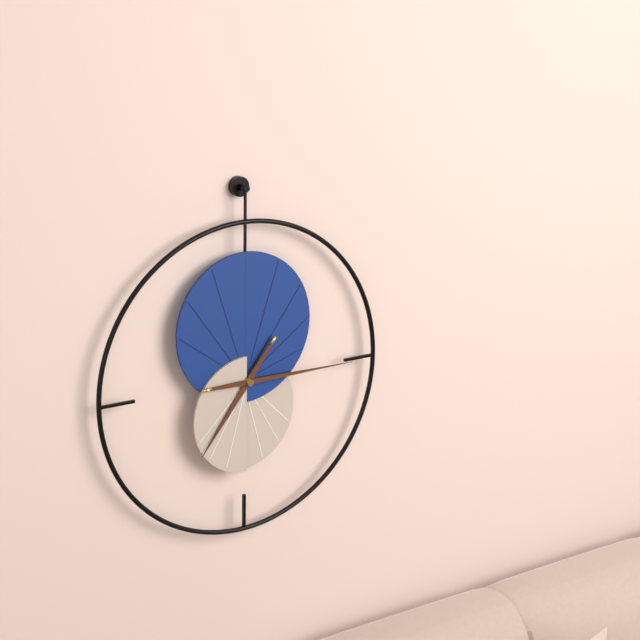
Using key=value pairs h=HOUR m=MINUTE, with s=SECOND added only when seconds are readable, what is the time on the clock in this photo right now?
h=7 m=15
